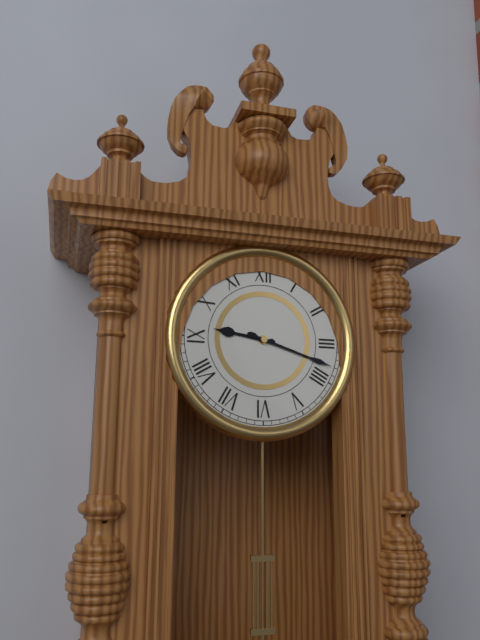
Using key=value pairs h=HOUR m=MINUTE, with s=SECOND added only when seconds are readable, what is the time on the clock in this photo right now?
h=9 m=18
